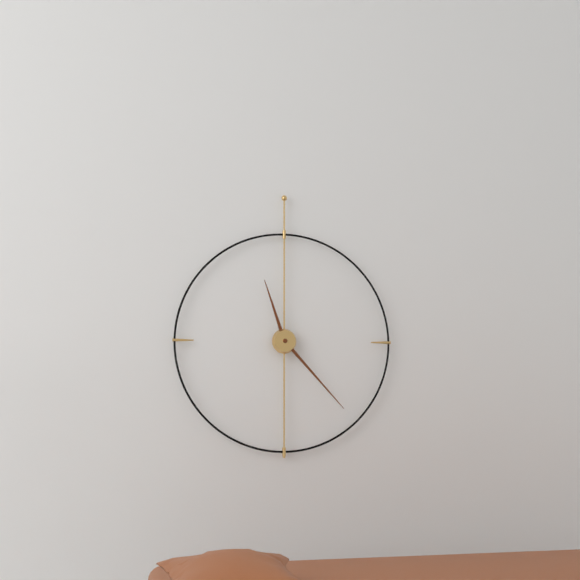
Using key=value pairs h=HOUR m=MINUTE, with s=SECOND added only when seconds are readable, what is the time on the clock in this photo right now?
h=11 m=23
